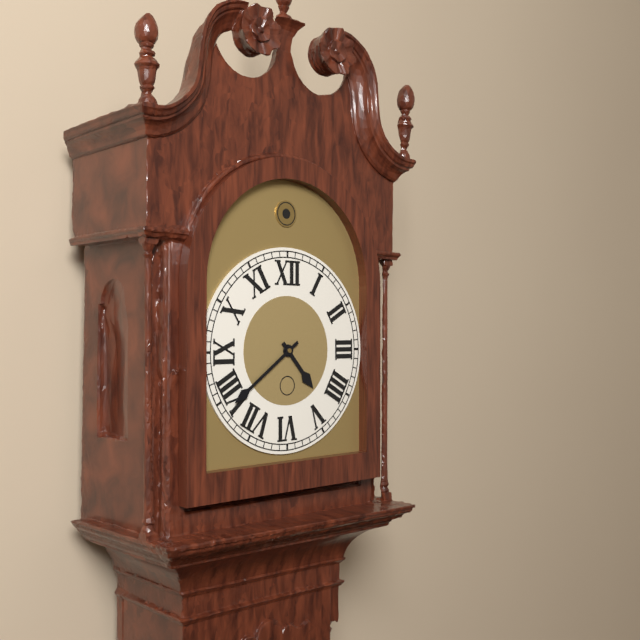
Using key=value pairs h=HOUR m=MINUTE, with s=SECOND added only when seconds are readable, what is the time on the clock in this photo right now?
h=4 m=39
